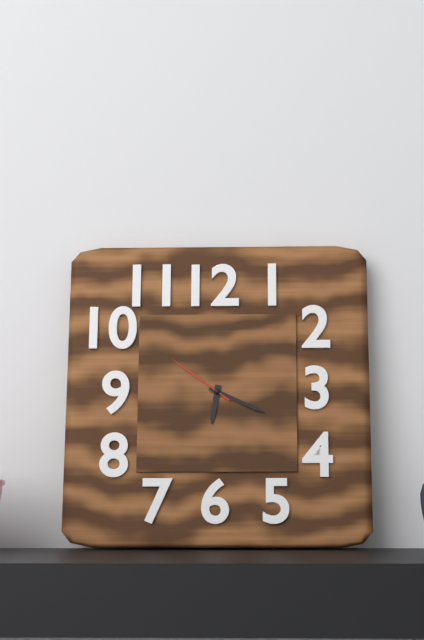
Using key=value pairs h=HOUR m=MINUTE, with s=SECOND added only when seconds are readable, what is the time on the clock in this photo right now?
h=6 m=19 s=51
